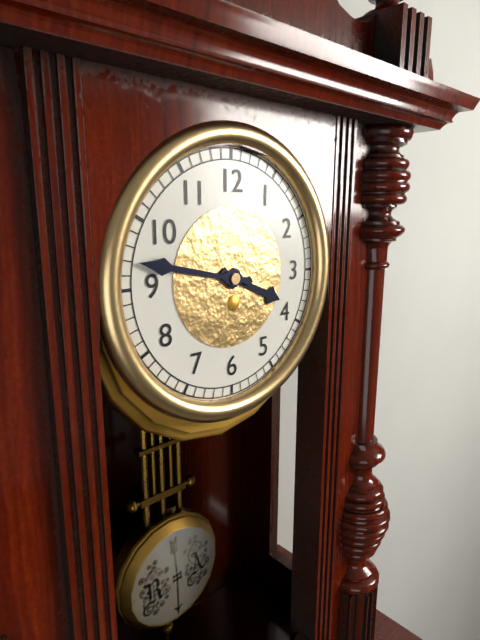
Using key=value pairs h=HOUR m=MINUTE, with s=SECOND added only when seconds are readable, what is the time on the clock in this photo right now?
h=3 m=47
